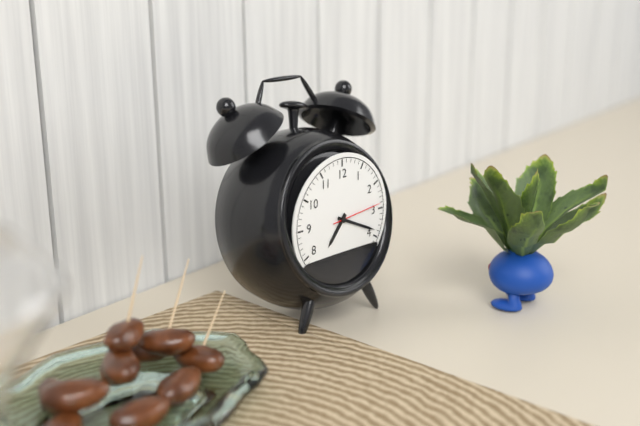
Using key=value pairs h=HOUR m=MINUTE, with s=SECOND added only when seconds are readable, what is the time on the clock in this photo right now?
h=7 m=19 s=14
